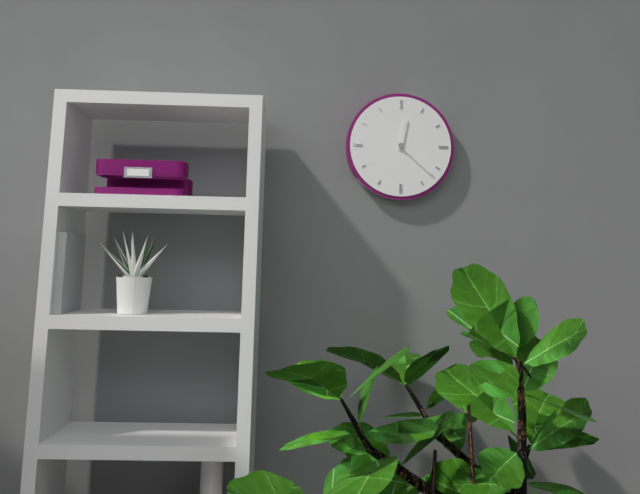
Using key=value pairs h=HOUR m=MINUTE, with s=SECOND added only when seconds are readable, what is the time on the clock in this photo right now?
h=12 m=22
